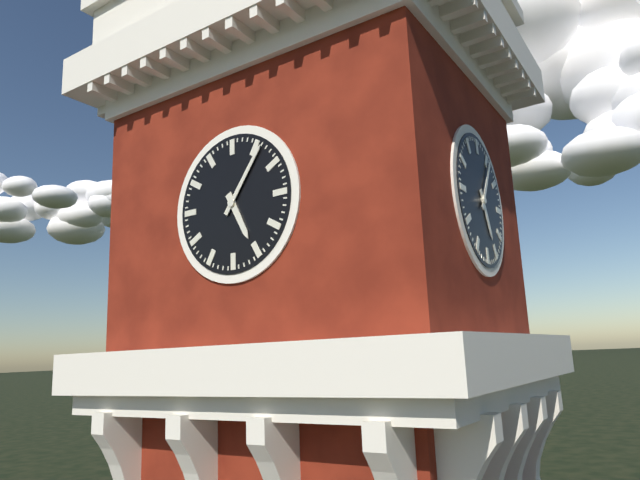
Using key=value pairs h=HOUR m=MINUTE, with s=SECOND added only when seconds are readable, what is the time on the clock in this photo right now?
h=5 m=6
